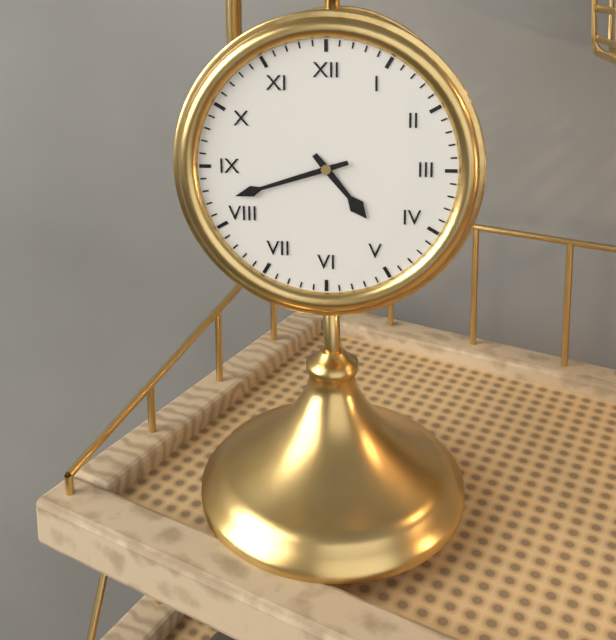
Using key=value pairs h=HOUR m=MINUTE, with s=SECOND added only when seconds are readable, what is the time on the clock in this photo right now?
h=4 m=42
